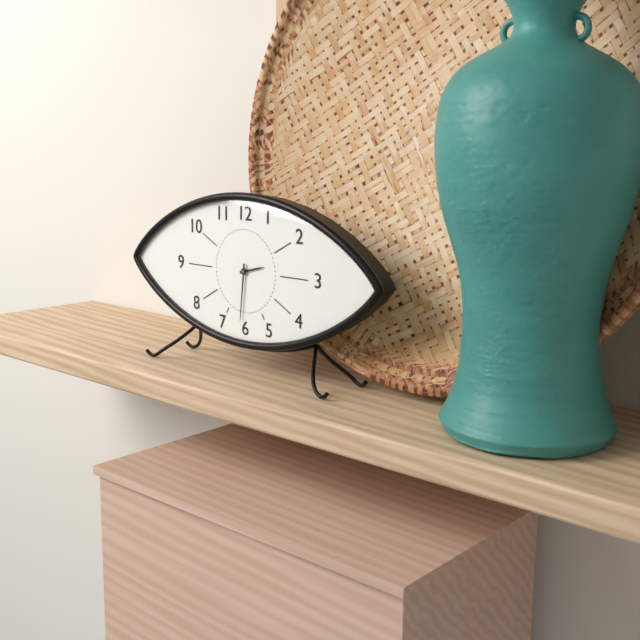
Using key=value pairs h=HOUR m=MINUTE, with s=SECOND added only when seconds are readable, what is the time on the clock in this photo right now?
h=2 m=31
